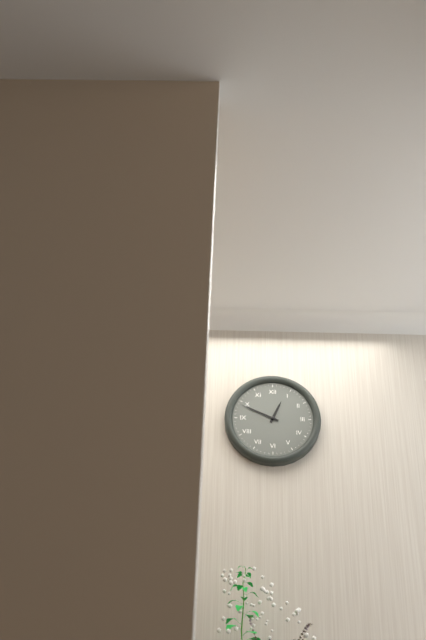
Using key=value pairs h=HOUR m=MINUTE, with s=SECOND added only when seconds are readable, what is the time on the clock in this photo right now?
h=12 m=49
